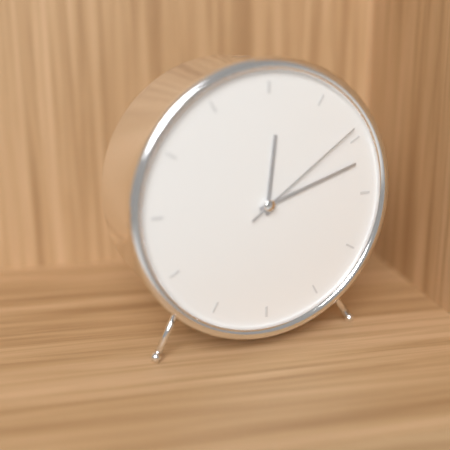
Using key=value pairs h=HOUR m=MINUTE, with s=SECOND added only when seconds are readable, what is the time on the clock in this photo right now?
h=12 m=12 s=9
